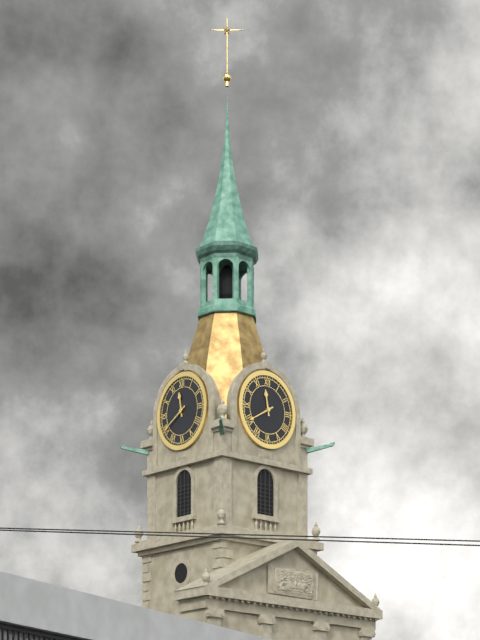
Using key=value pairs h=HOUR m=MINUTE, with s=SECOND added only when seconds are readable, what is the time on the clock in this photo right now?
h=11 m=40
